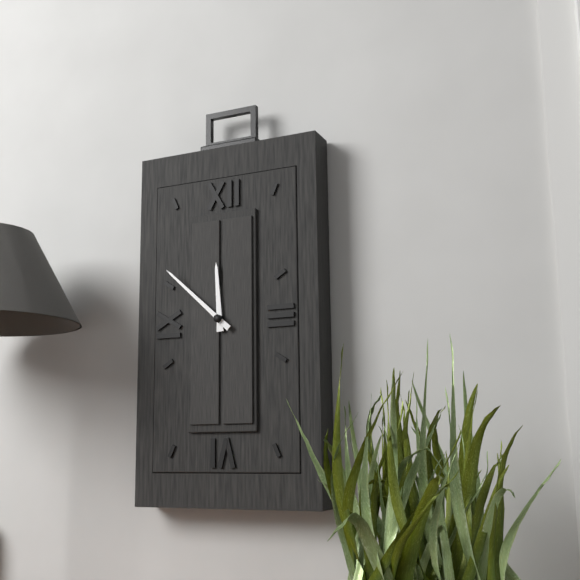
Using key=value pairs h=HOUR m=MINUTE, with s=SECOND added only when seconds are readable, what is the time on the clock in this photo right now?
h=11 m=52
